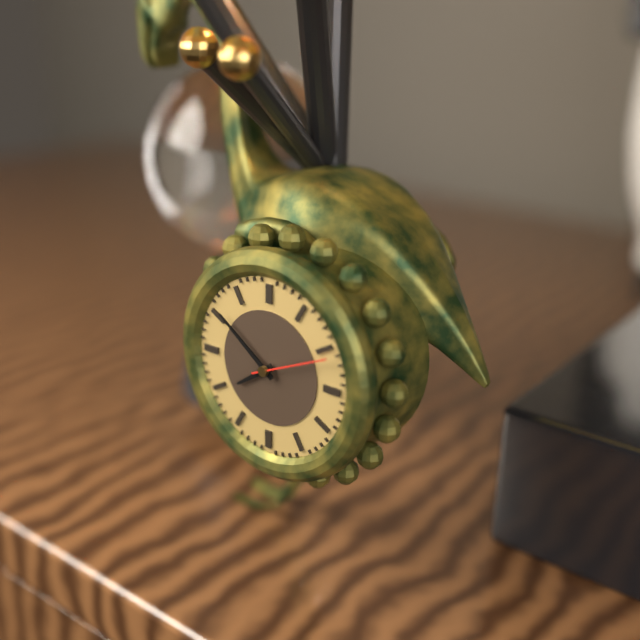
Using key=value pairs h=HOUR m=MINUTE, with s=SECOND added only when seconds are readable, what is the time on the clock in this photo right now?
h=7 m=51 s=11
